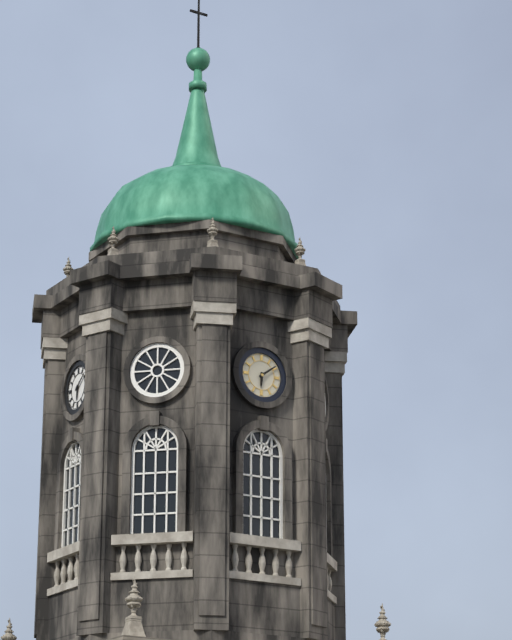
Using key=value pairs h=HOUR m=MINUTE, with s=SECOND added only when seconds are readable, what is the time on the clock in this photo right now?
h=6 m=9
